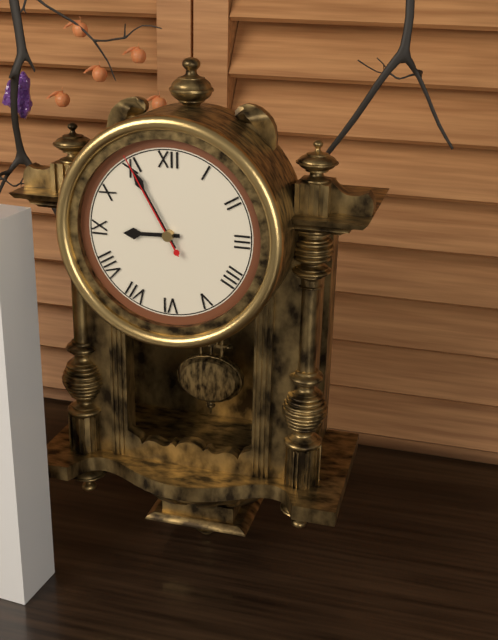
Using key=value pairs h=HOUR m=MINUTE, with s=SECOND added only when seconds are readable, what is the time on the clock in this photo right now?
h=8 m=55 s=55
